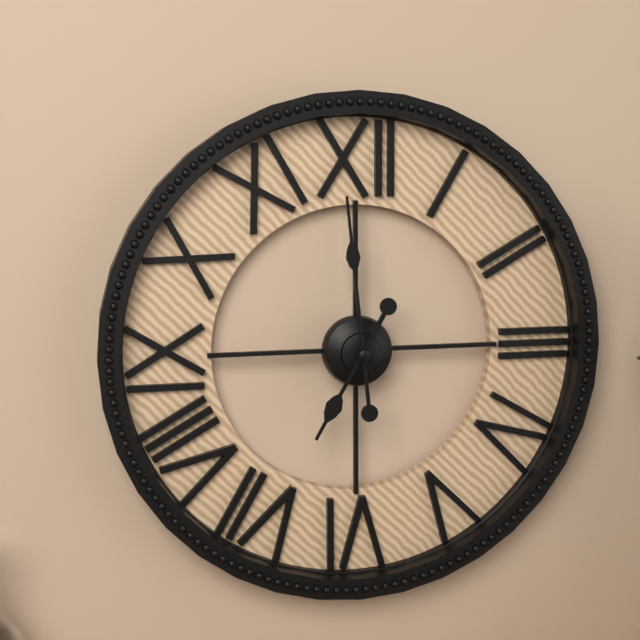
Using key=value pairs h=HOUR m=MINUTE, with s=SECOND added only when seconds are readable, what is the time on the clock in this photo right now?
h=6 m=59
